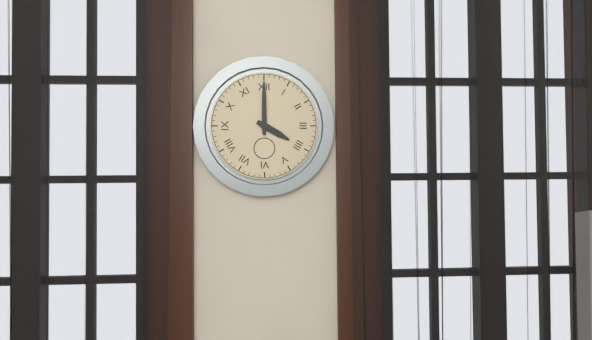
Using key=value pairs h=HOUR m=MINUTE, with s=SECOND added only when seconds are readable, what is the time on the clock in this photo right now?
h=4 m=0
